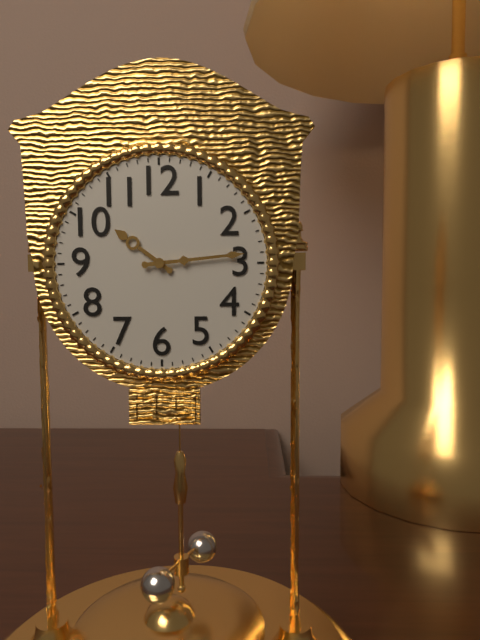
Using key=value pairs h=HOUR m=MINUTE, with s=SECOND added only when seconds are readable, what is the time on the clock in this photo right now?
h=10 m=14
